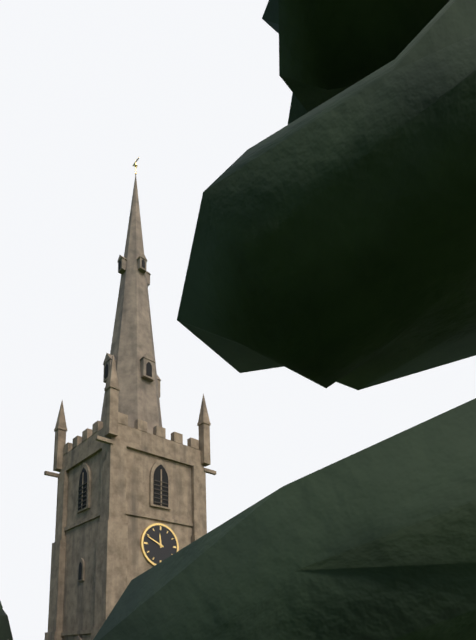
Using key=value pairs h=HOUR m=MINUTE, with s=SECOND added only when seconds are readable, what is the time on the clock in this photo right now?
h=11 m=49
